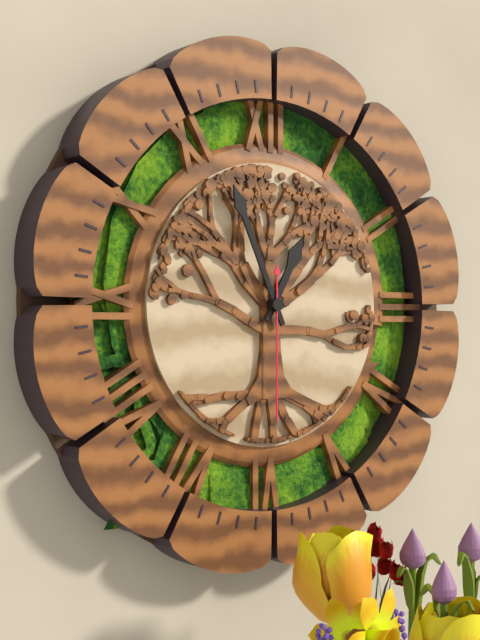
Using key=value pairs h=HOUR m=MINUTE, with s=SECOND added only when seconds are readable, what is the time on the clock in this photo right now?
h=12 m=56 s=30
